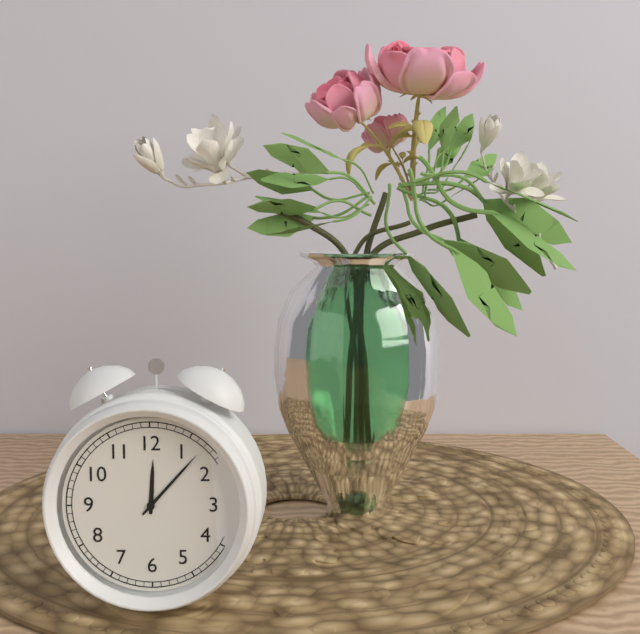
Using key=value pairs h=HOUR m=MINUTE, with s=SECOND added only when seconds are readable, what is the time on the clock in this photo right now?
h=12 m=7
